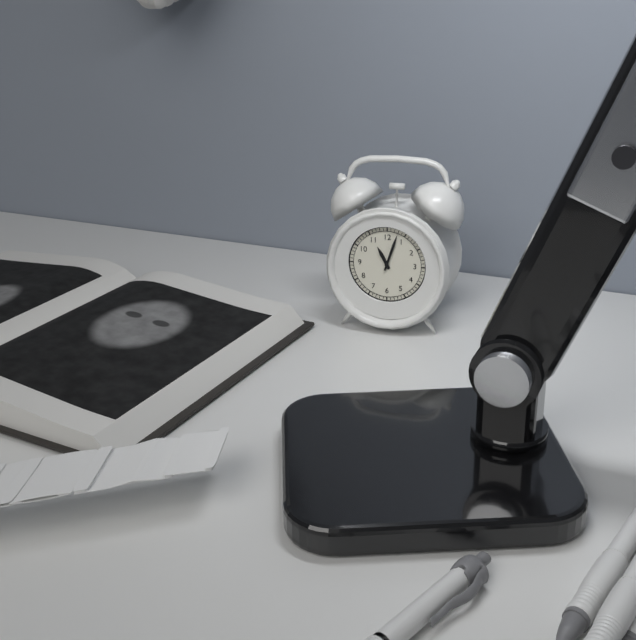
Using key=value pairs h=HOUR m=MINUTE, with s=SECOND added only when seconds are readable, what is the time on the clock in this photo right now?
h=11 m=3
